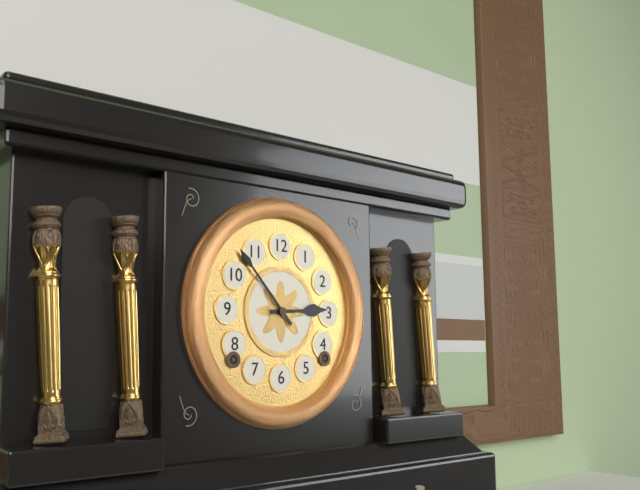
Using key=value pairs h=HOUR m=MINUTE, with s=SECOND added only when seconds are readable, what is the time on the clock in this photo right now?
h=2 m=53
